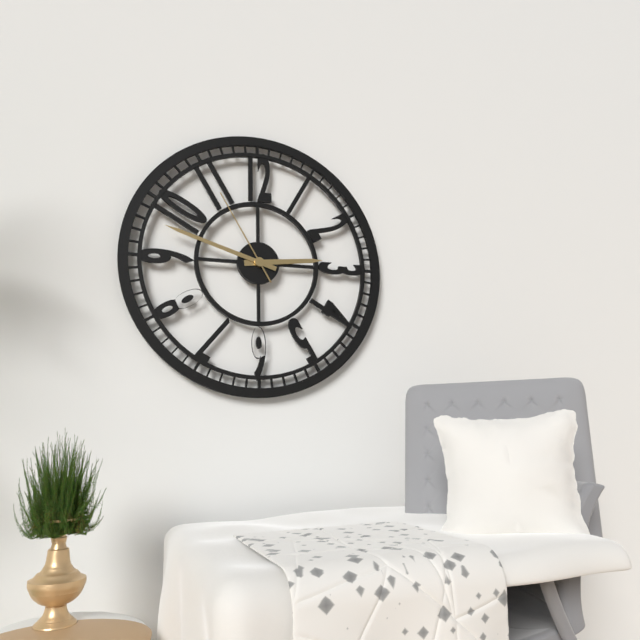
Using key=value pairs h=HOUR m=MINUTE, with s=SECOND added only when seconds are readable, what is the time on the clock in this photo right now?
h=2 m=48 s=55
